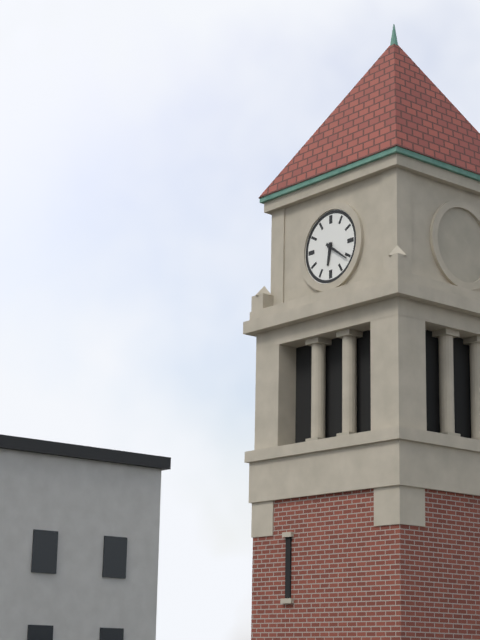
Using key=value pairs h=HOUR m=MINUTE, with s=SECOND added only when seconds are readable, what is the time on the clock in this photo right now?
h=6 m=21
